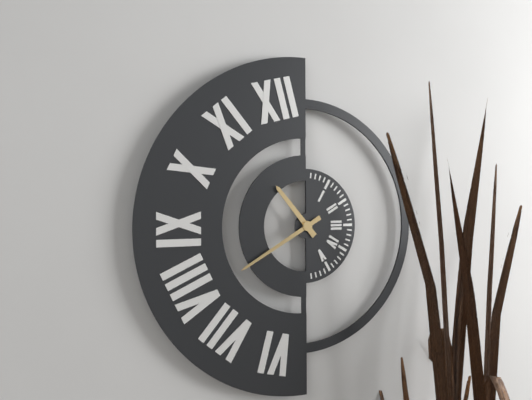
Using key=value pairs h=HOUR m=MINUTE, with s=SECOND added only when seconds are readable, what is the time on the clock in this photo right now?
h=10 m=40
